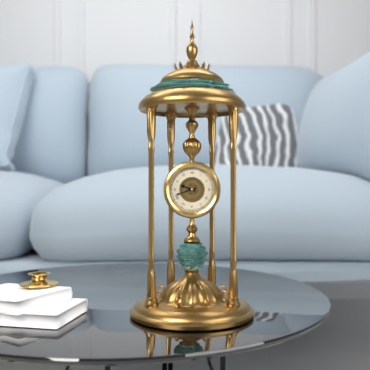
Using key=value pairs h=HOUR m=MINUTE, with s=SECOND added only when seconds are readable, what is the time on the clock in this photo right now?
h=9 m=42
